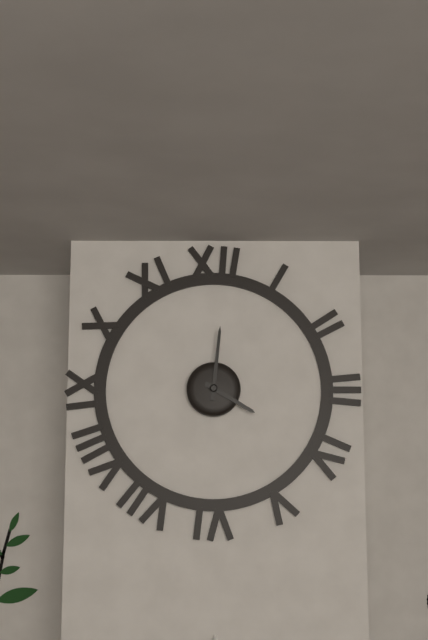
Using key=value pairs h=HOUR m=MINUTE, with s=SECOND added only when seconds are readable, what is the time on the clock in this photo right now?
h=4 m=1
